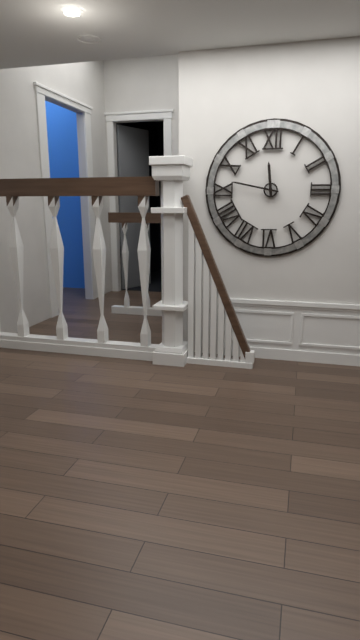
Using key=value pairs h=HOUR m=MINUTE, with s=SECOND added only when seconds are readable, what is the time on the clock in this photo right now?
h=11 m=47
